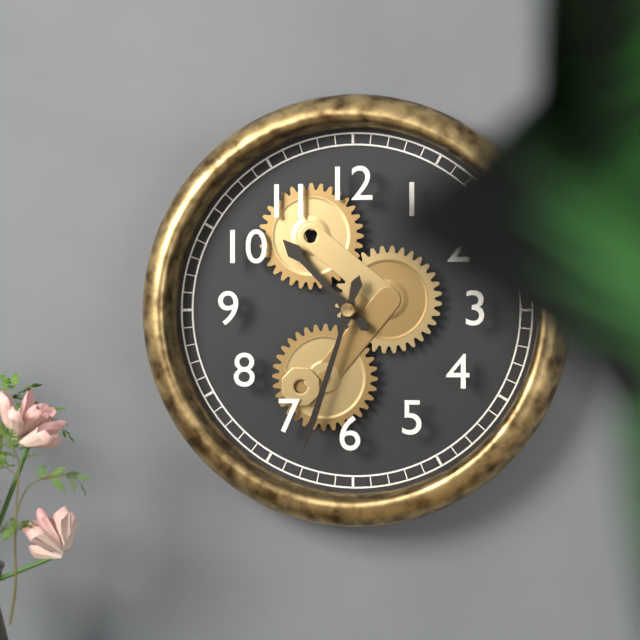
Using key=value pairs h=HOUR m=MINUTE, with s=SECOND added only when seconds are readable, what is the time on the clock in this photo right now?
h=10 m=33
